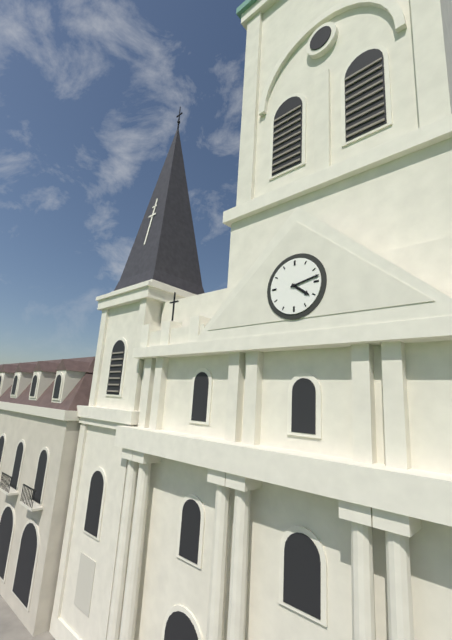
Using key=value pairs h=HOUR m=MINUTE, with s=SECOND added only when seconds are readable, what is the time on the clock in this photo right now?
h=4 m=13
